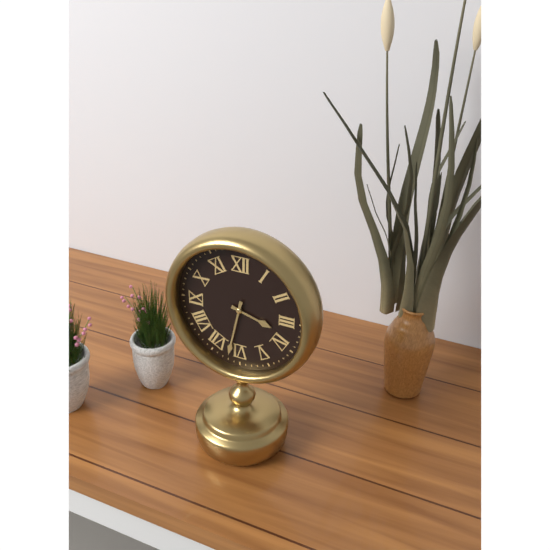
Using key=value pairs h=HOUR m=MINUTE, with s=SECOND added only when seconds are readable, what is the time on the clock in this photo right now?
h=3 m=32
